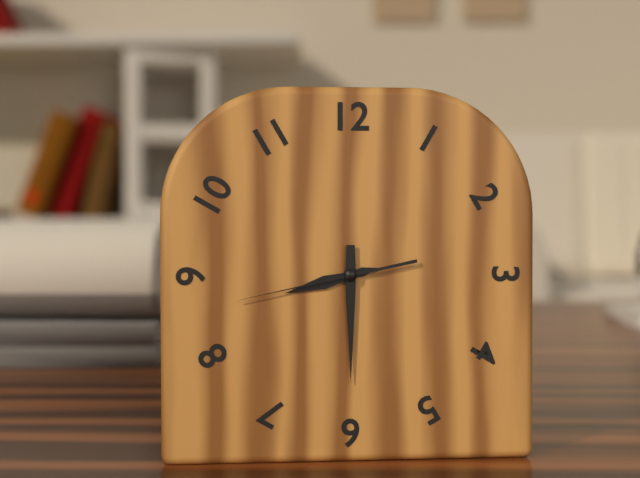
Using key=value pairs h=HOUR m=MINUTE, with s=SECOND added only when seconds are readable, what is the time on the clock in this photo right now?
h=8 m=30 s=43
